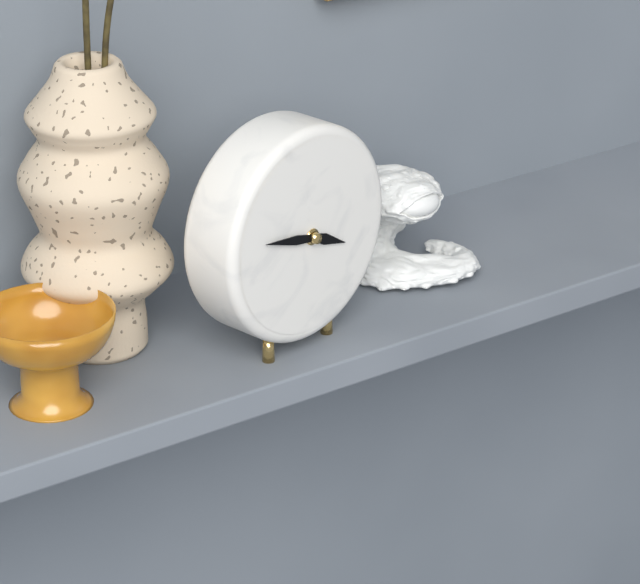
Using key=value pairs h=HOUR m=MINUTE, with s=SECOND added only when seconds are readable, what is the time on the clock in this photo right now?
h=3 m=47
